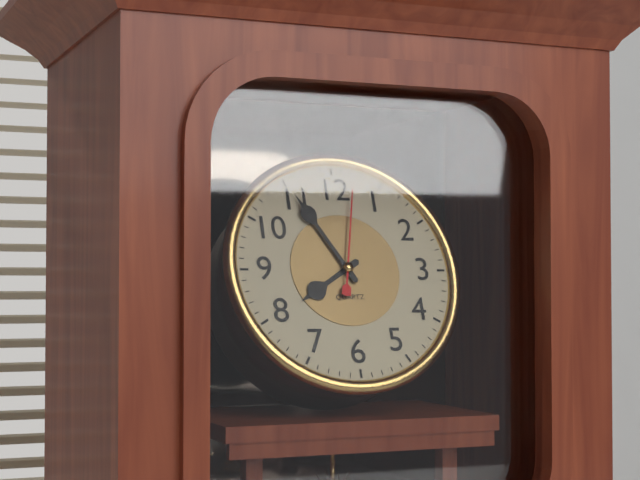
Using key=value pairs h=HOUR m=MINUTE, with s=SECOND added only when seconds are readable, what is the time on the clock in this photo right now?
h=7 m=55 s=2
